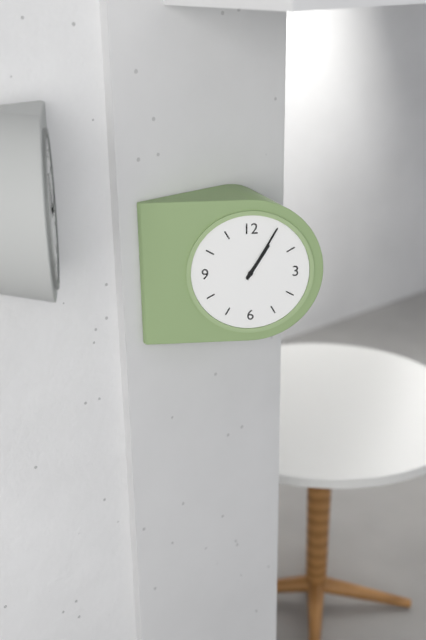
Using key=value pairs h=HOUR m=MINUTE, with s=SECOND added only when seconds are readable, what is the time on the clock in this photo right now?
h=1 m=5
